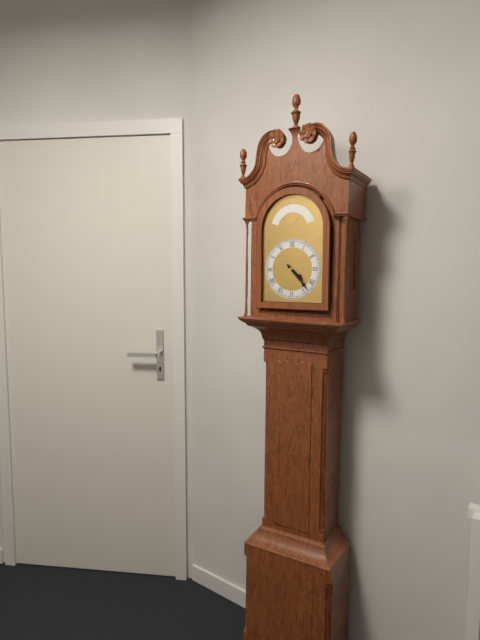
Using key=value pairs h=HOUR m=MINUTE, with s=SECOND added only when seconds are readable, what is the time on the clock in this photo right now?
h=4 m=23
